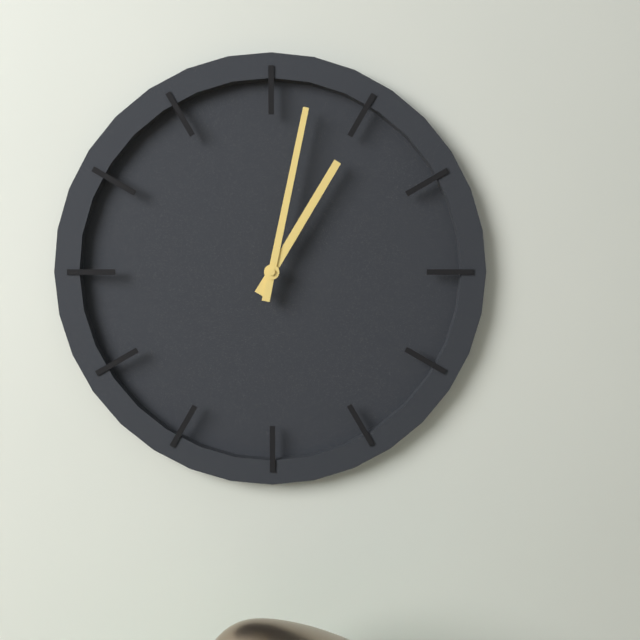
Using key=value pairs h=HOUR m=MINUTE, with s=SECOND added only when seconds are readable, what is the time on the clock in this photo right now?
h=1 m=2
